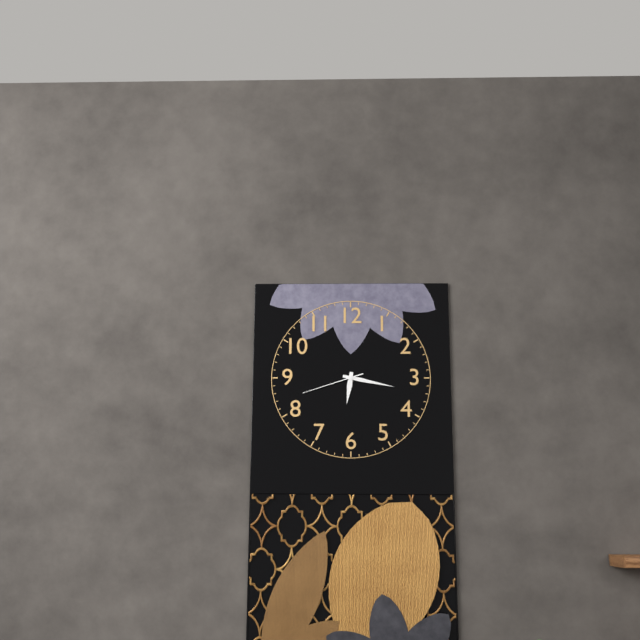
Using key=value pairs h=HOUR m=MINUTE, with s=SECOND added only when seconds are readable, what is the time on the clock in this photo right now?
h=6 m=17 s=42
